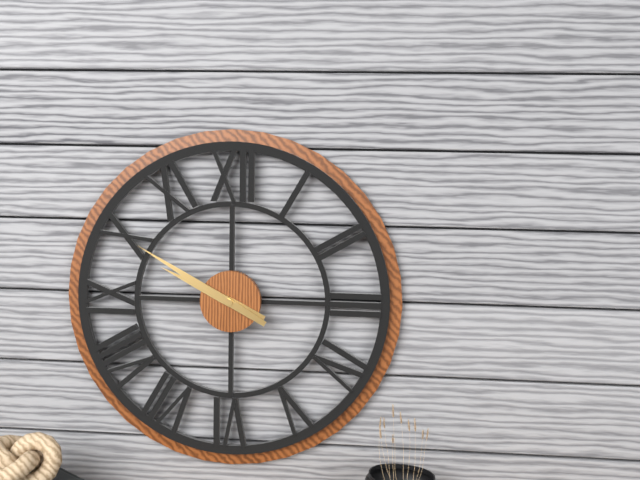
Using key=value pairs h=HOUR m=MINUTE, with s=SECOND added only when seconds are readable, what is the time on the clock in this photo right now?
h=9 m=50
